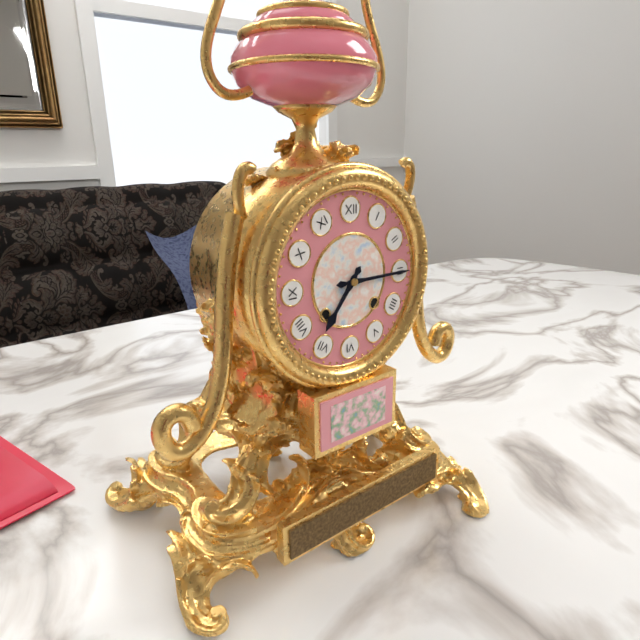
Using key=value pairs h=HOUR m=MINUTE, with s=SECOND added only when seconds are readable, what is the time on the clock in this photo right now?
h=7 m=15
